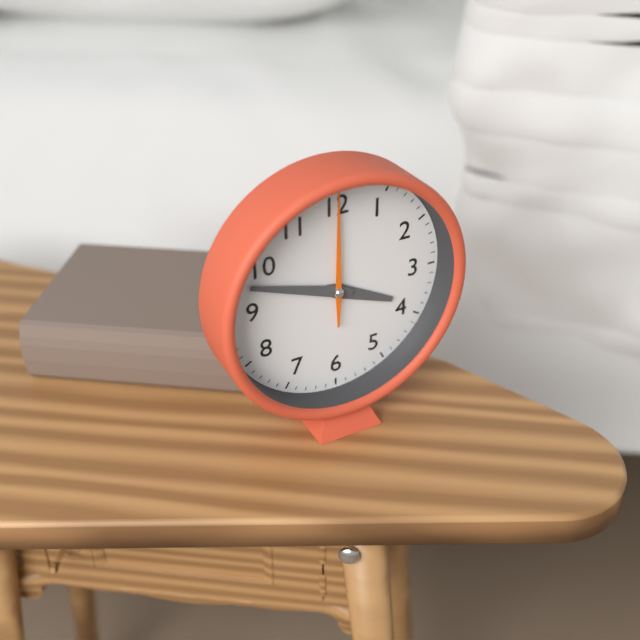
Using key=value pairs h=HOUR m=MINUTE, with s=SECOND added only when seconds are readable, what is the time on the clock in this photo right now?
h=3 m=48 s=0
